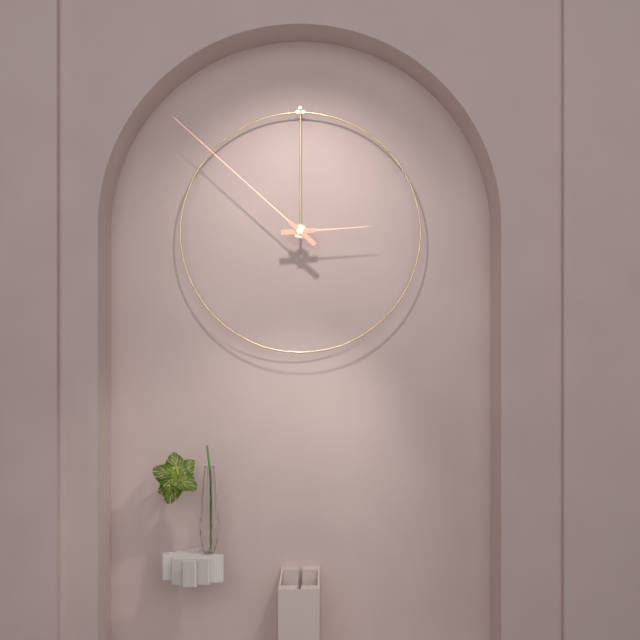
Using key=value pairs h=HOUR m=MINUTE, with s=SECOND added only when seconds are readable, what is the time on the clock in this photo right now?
h=2 m=52
